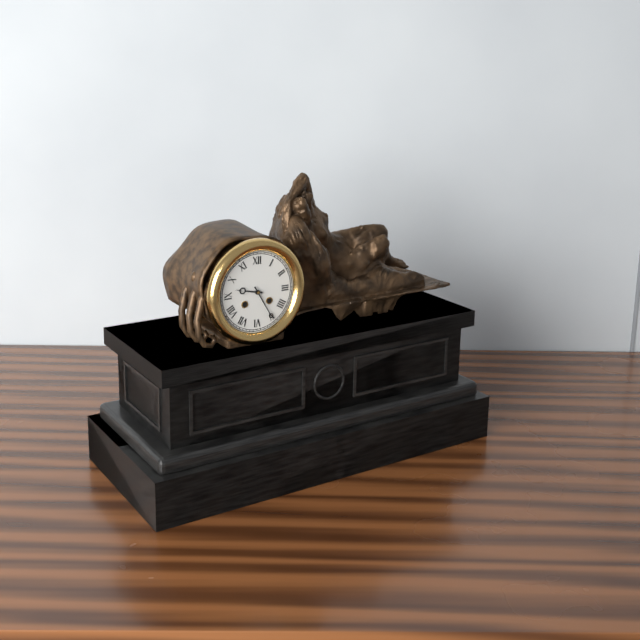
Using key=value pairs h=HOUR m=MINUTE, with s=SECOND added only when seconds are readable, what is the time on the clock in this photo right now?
h=9 m=25
